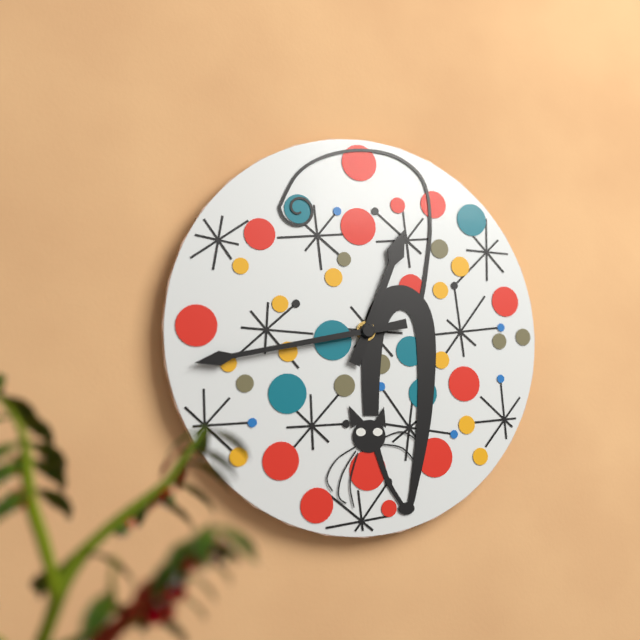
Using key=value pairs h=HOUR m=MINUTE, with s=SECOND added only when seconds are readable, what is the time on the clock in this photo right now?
h=12 m=43
